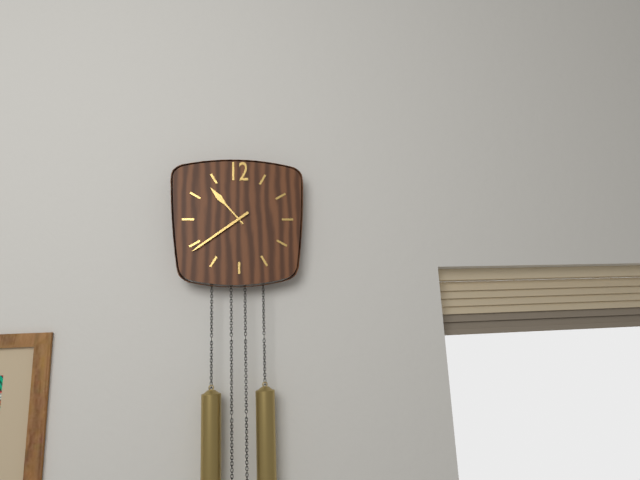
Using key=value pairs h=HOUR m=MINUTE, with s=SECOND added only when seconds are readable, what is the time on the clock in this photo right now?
h=10 m=39
